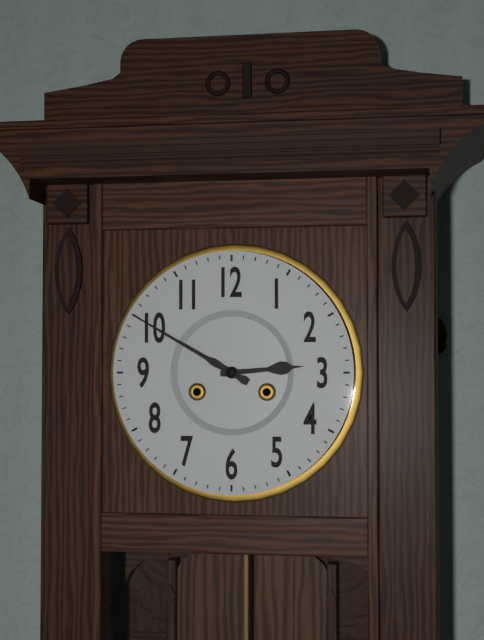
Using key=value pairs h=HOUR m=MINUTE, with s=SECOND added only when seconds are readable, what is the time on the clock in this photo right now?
h=2 m=50
